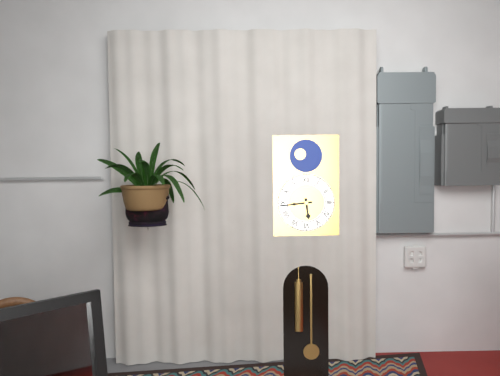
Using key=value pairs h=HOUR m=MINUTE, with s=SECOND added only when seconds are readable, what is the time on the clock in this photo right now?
h=5 m=44
